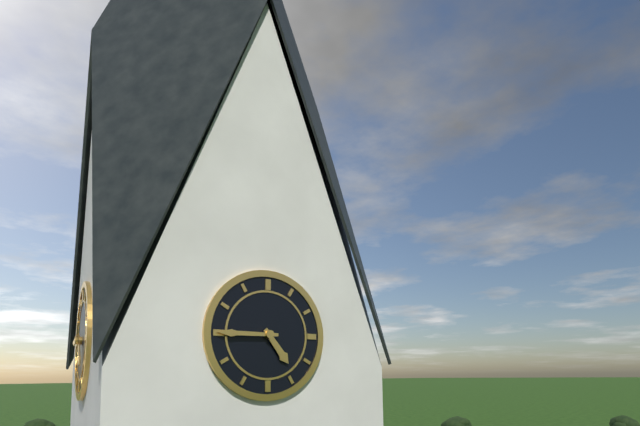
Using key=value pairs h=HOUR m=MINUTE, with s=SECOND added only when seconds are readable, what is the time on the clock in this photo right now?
h=4 m=45
